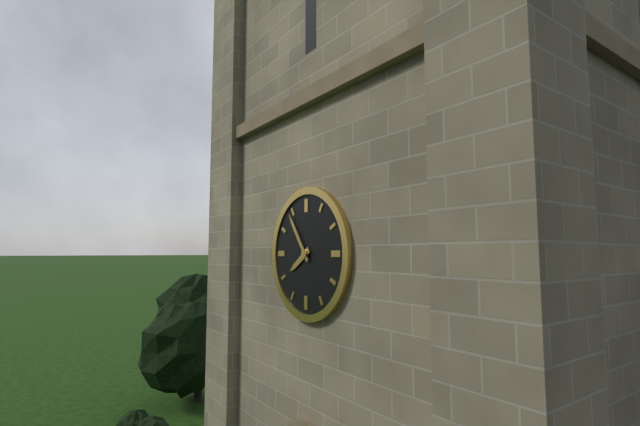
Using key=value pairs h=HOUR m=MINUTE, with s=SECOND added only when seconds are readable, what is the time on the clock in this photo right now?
h=7 m=54
